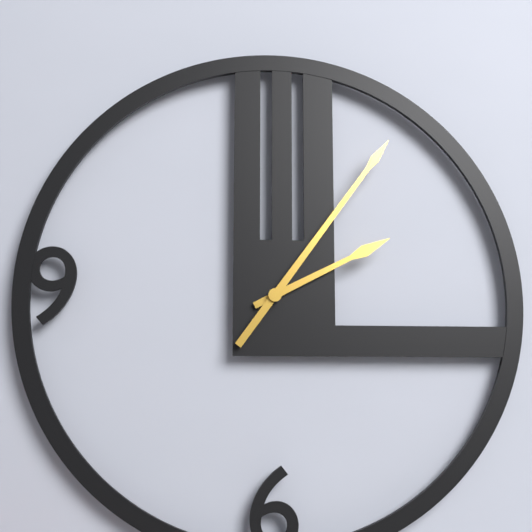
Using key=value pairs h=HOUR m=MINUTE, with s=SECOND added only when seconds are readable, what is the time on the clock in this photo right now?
h=2 m=6
